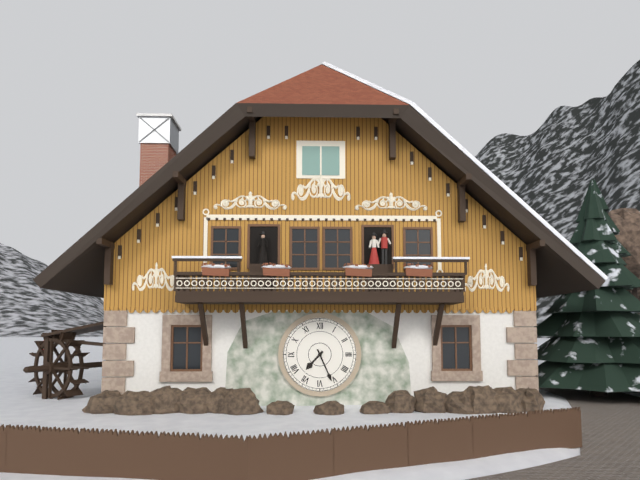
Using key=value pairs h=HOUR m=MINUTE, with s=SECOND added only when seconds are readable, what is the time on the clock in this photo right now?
h=7 m=26
